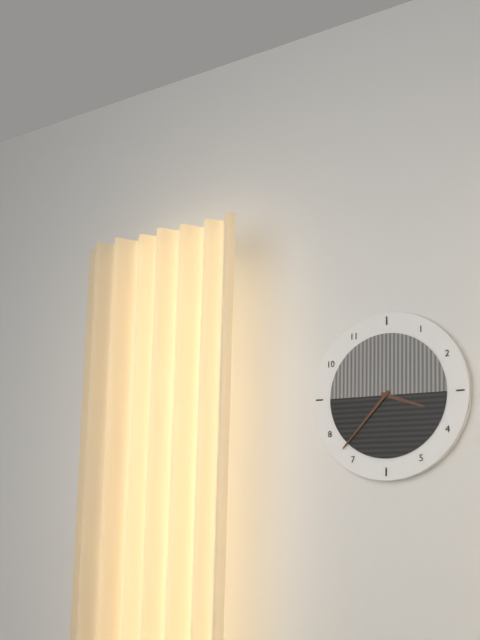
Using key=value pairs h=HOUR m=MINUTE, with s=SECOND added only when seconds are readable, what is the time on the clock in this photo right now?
h=3 m=37
